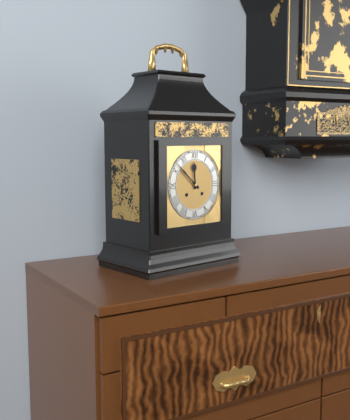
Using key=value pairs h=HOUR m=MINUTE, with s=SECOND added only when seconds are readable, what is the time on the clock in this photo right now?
h=11 m=52
